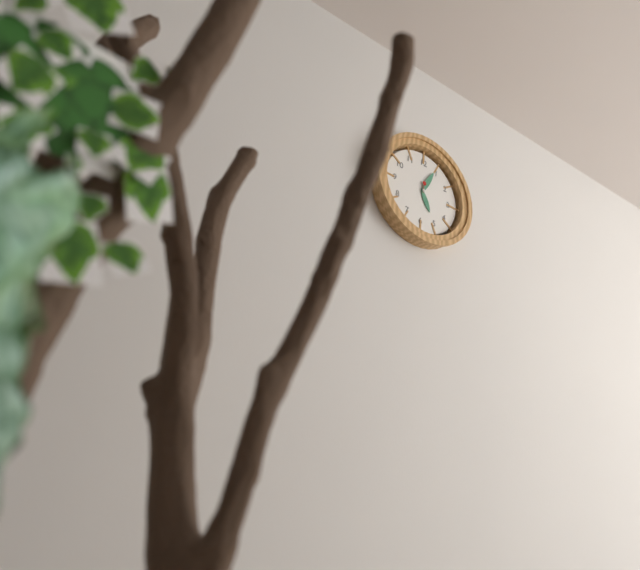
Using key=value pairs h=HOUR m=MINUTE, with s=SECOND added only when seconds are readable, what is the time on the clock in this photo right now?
h=5 m=4
